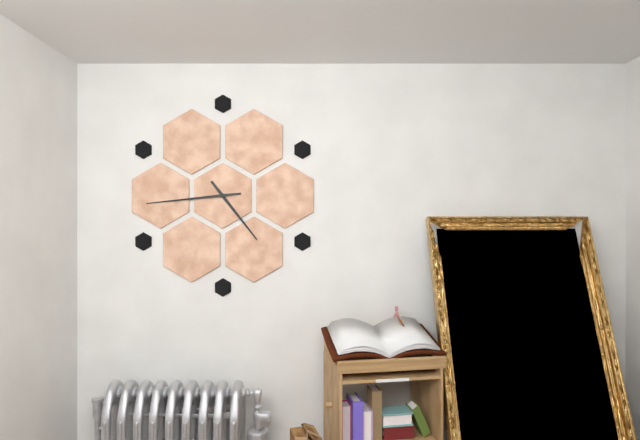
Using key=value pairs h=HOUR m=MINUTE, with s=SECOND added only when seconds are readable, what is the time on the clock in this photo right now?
h=4 m=44
